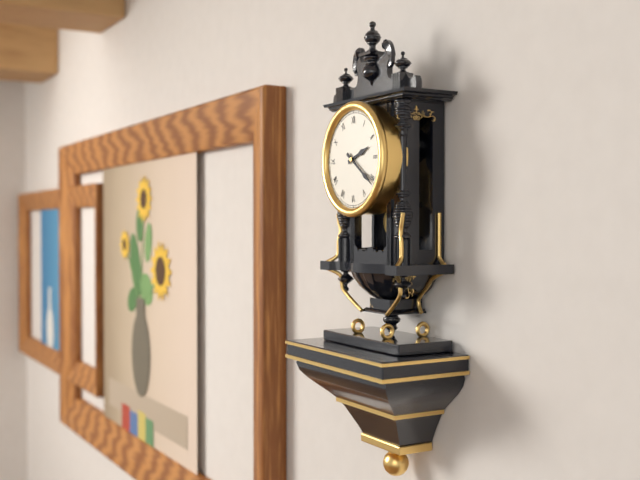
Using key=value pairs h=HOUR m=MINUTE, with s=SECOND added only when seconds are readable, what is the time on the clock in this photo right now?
h=2 m=21
